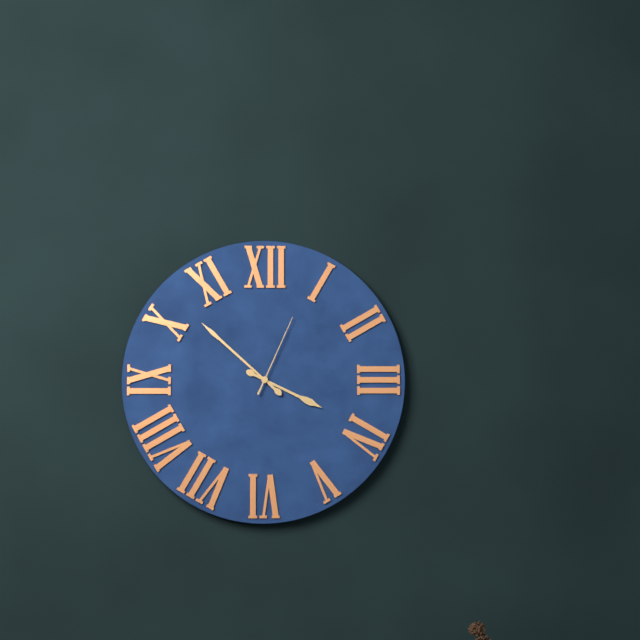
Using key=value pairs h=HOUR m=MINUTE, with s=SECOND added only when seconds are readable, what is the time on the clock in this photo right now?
h=3 m=52 s=4
